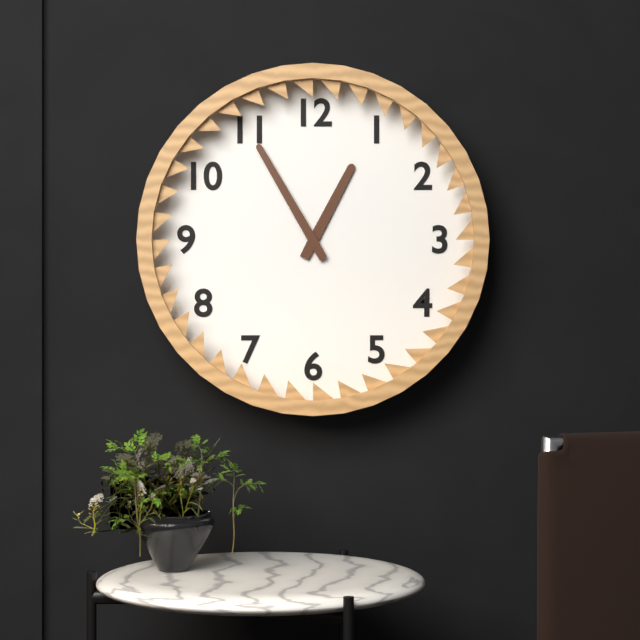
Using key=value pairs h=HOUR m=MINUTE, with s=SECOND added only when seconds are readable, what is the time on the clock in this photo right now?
h=12 m=55
